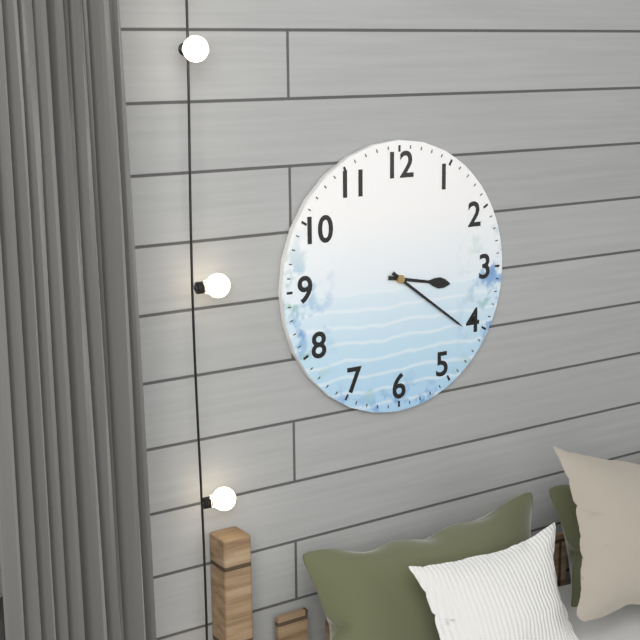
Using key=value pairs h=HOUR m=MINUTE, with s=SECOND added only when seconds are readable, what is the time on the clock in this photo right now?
h=3 m=21
